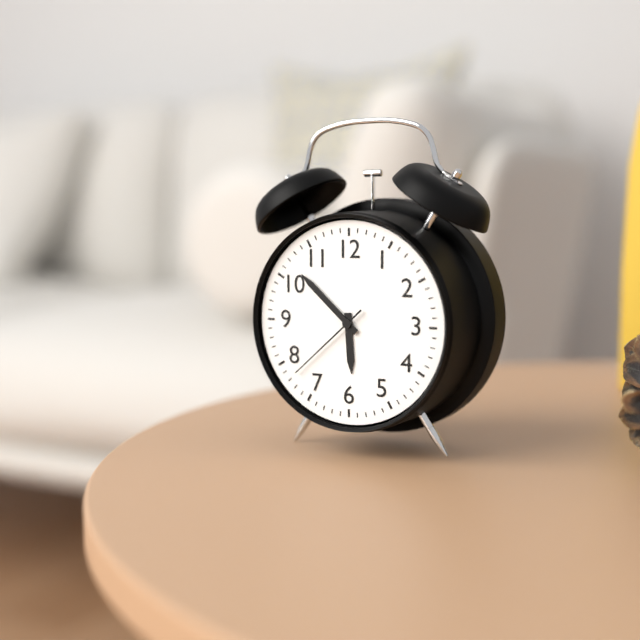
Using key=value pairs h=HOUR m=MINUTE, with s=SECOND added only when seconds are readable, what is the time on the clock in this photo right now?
h=5 m=52 s=38
